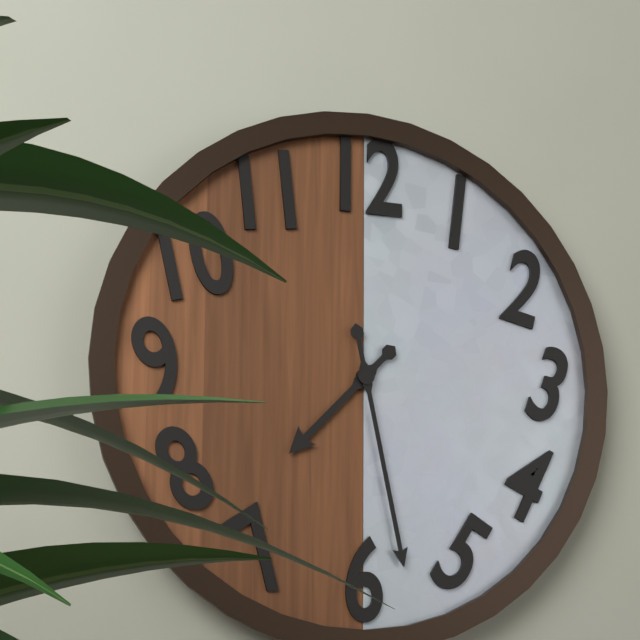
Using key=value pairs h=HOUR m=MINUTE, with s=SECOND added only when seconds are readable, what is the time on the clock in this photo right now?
h=7 m=28
